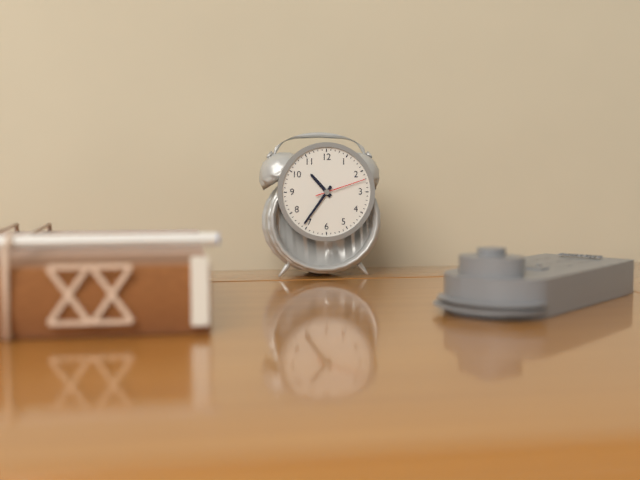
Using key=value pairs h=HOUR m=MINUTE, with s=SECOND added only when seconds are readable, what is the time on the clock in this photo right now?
h=10 m=36 s=12
